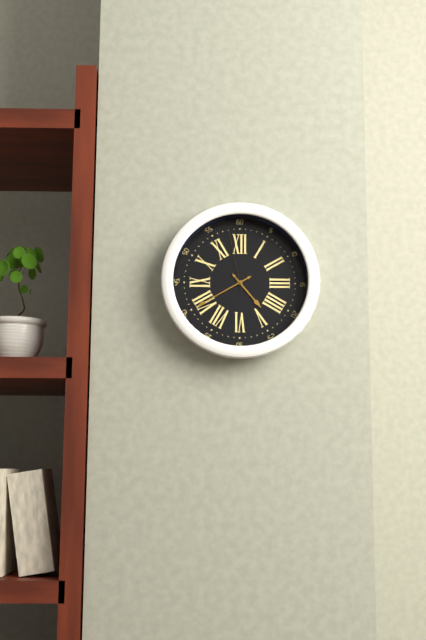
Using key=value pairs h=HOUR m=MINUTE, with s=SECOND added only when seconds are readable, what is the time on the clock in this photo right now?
h=4 m=40 s=58
